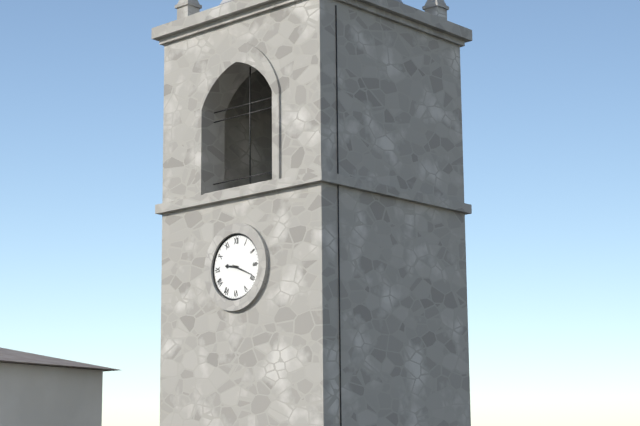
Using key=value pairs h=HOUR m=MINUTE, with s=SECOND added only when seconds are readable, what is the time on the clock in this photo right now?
h=9 m=19
